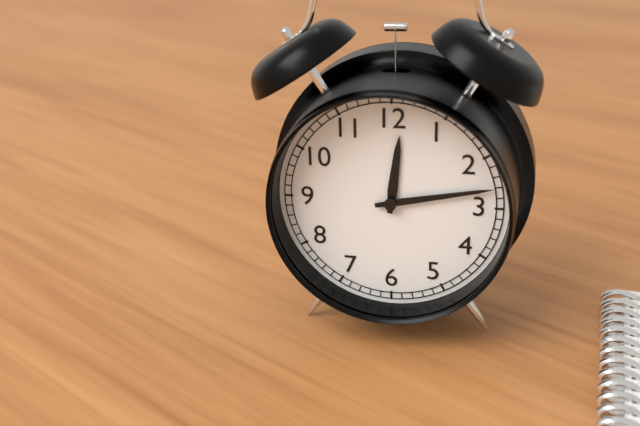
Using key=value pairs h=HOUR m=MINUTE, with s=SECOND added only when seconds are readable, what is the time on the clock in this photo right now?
h=12 m=13
